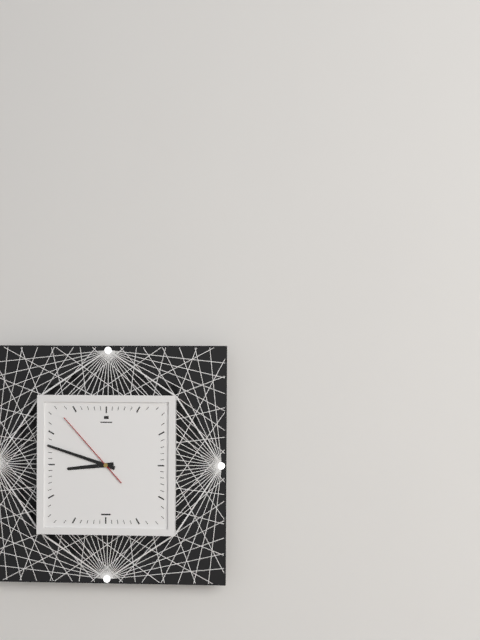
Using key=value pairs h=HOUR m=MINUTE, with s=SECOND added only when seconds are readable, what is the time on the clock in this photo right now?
h=8 m=48 s=53
